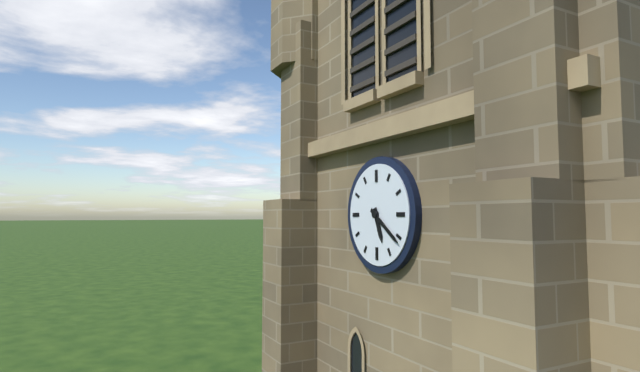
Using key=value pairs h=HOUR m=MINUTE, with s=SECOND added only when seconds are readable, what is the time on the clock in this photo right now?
h=5 m=21
